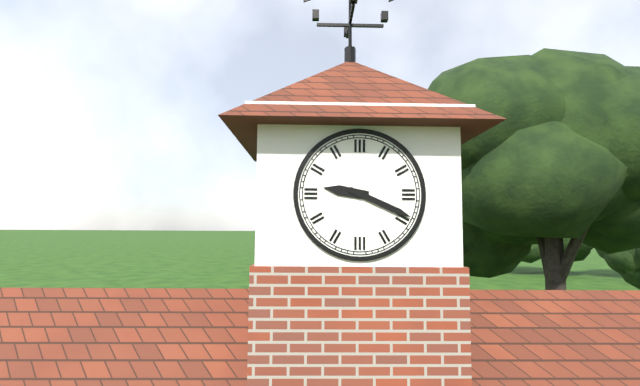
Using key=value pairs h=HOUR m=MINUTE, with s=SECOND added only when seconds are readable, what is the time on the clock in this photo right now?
h=9 m=19
